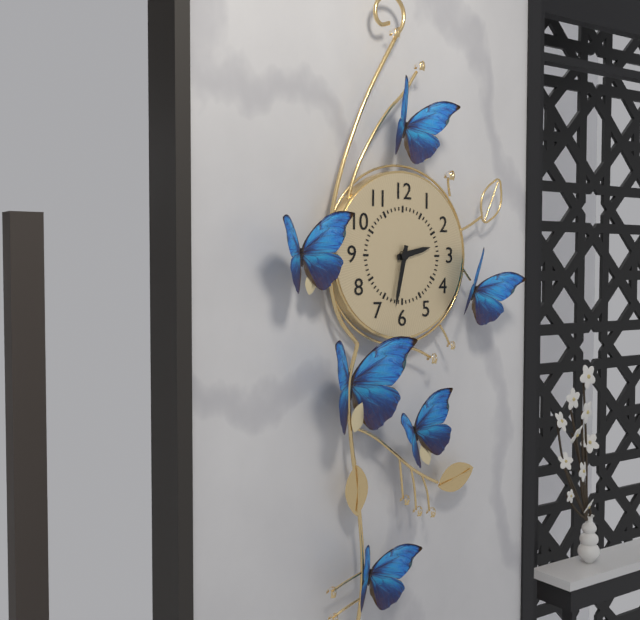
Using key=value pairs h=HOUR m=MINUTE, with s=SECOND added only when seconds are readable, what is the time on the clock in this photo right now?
h=2 m=32
